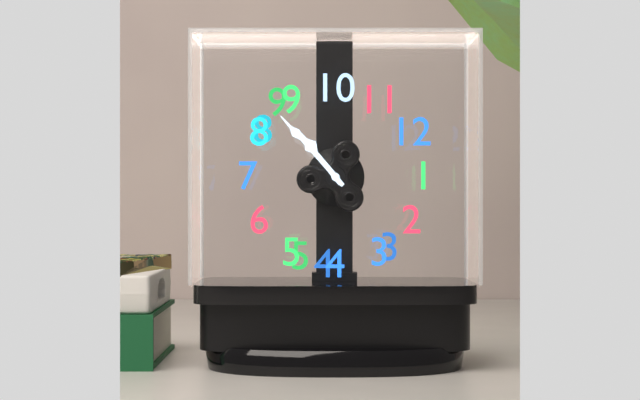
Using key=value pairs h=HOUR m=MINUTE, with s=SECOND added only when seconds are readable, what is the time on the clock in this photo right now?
h=8 m=43
